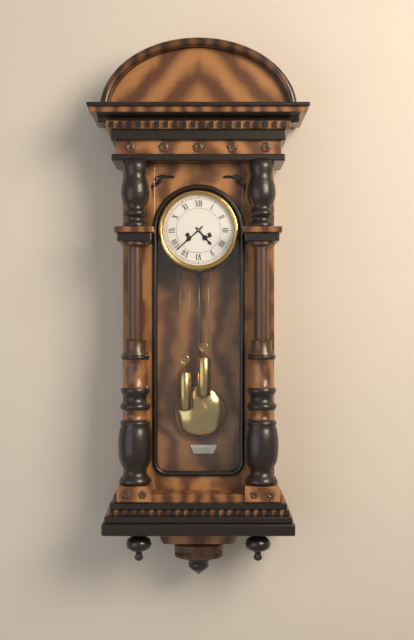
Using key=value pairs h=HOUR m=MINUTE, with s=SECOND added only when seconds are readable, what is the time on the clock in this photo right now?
h=4 m=38
